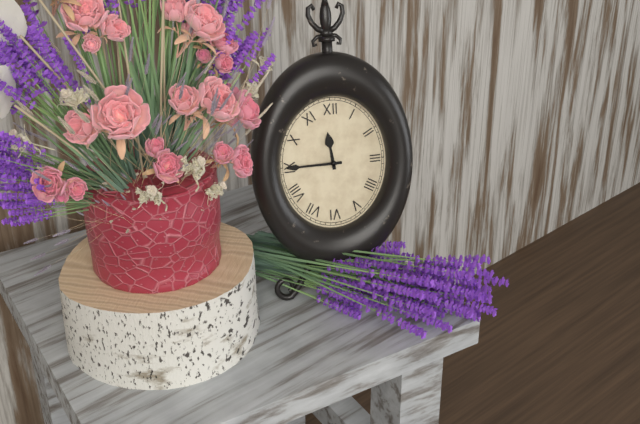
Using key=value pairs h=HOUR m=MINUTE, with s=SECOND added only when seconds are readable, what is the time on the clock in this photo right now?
h=11 m=45
